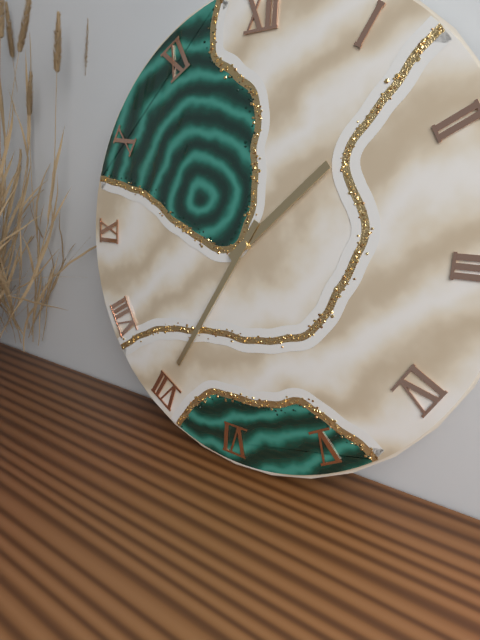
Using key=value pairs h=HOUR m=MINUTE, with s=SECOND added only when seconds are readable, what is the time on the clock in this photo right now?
h=1 m=35
